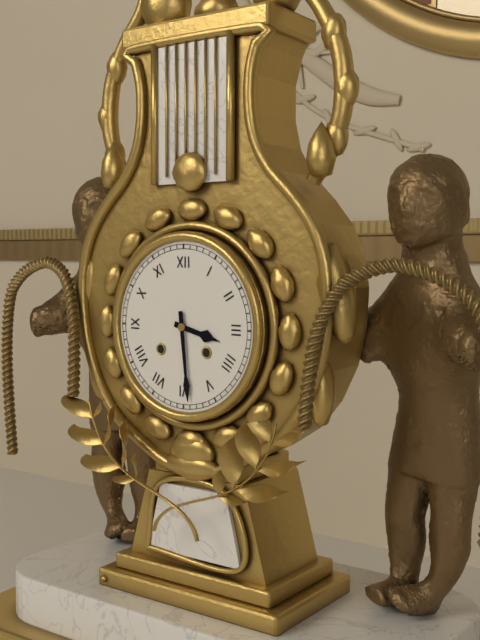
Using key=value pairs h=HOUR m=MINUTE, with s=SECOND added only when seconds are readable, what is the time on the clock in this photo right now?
h=3 m=29
